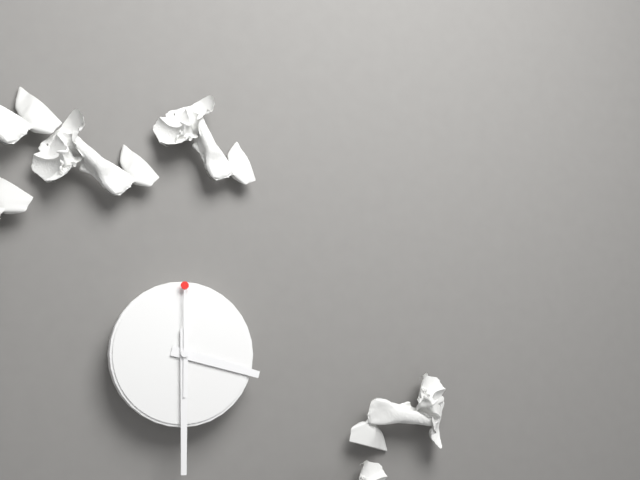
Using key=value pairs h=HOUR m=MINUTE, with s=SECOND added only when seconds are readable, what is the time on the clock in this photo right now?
h=3 m=30 s=0
